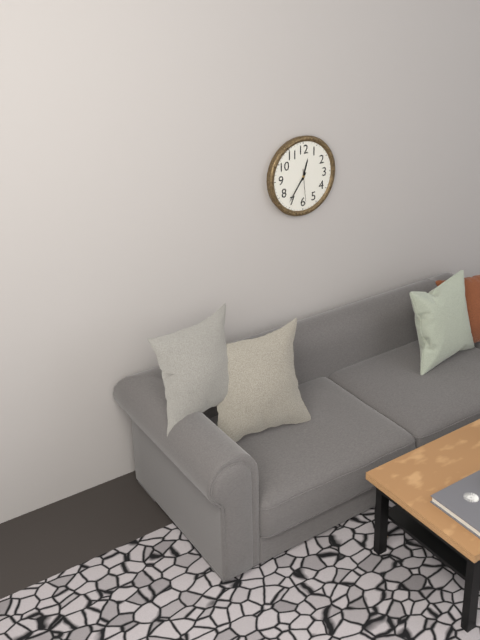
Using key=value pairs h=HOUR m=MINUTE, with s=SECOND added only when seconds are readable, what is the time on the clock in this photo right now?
h=12 m=36
